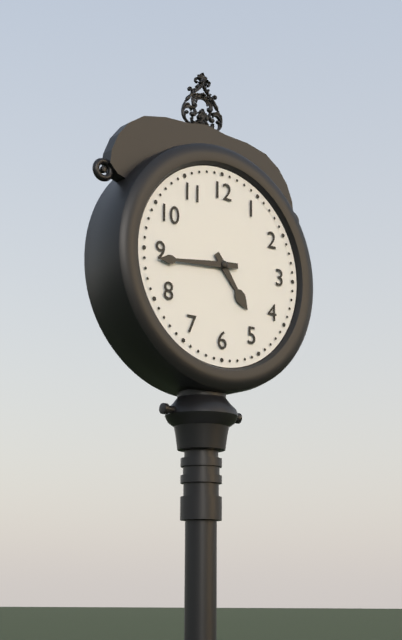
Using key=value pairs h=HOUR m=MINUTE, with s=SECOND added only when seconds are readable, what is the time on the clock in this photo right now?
h=4 m=44
